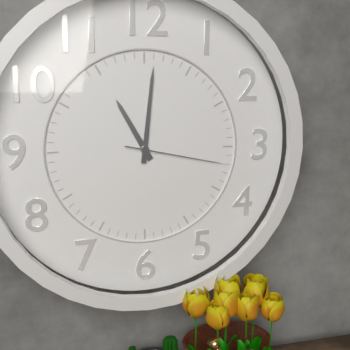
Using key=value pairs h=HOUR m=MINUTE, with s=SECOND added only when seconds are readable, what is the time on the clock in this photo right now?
h=11 m=1 s=17
